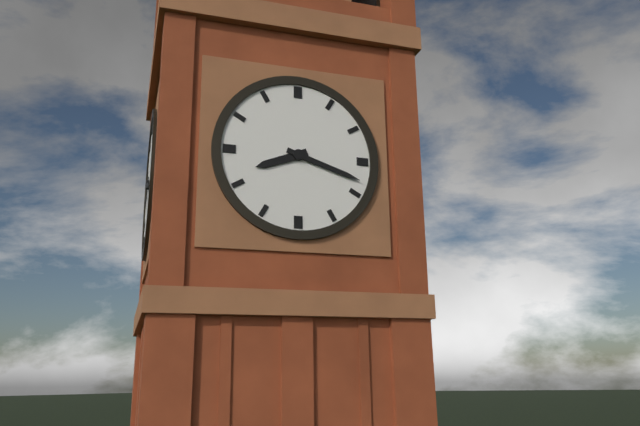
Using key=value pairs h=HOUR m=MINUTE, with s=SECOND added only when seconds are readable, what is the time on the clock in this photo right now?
h=8 m=18
